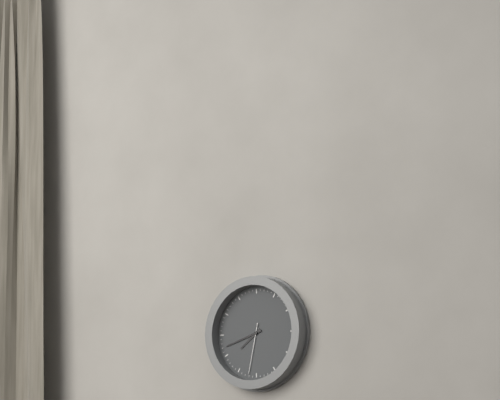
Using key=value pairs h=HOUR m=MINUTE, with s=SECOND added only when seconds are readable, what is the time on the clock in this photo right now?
h=7 m=42 s=32
